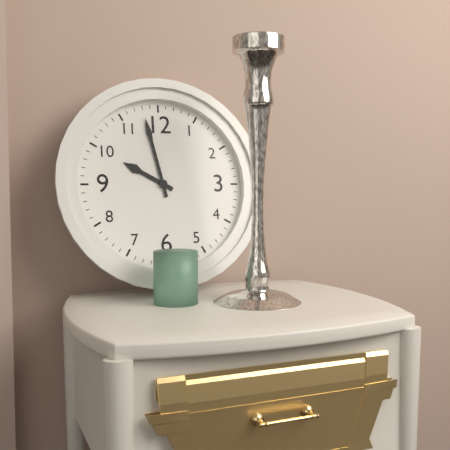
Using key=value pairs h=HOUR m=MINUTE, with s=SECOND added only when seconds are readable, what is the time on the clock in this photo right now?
h=9 m=58
